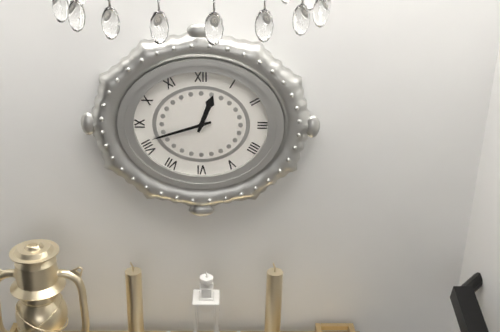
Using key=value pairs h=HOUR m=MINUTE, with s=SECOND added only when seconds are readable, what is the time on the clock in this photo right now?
h=12 m=42
